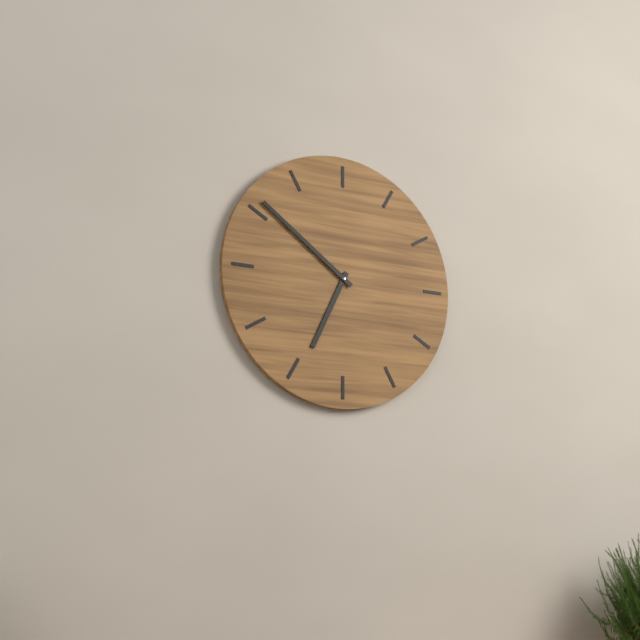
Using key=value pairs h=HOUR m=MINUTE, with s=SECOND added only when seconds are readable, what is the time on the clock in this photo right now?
h=6 m=51
